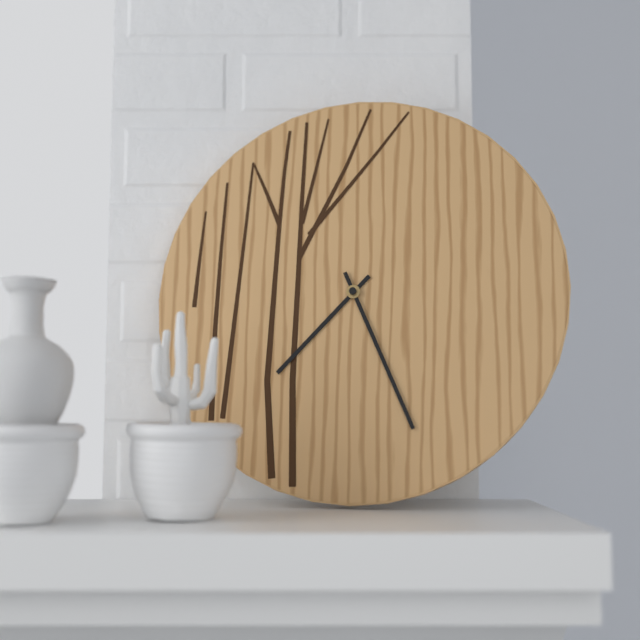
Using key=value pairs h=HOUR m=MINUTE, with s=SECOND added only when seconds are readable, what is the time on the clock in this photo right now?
h=7 m=26
